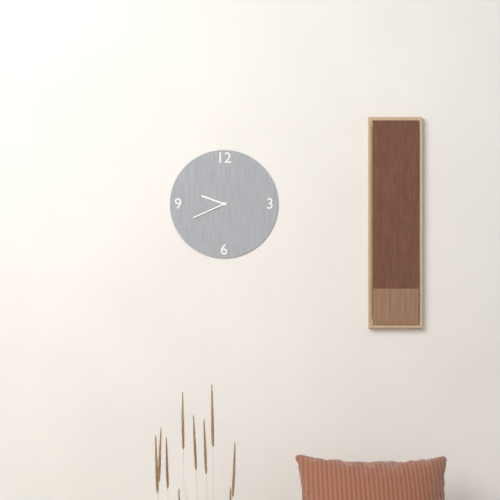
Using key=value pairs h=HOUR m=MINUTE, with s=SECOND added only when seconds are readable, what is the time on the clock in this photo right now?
h=9 m=41
